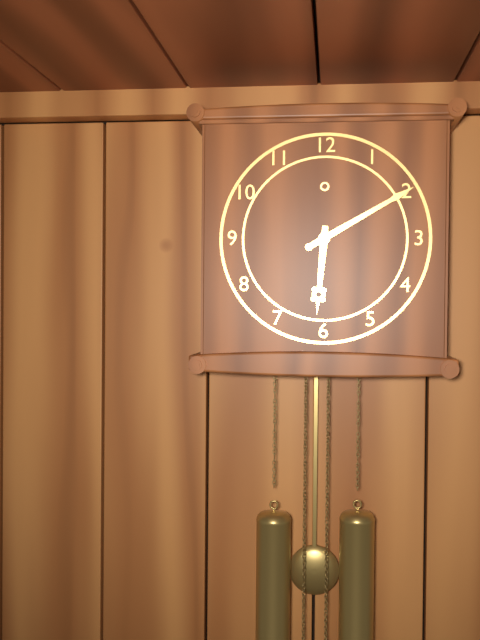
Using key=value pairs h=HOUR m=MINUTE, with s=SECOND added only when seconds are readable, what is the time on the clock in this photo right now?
h=6 m=10
